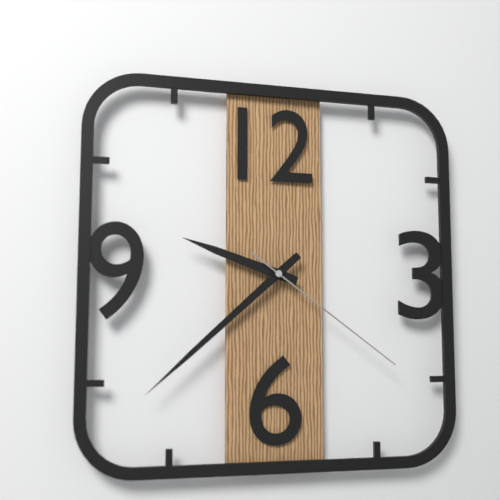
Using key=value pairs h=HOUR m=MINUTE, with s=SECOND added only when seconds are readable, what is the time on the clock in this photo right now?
h=9 m=38 s=21
